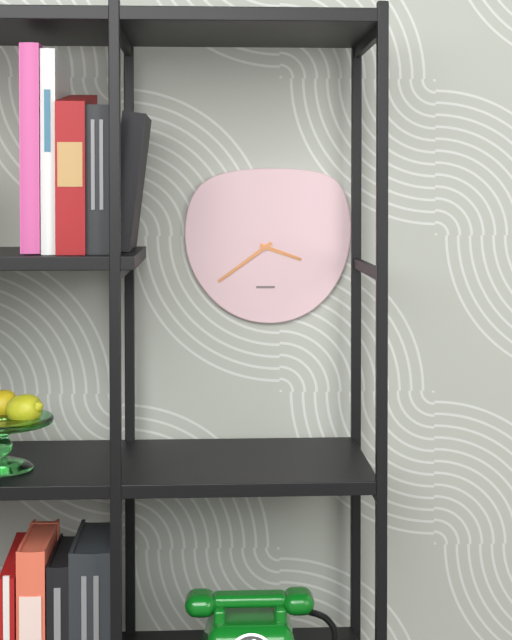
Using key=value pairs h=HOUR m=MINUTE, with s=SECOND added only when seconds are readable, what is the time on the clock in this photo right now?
h=3 m=39
